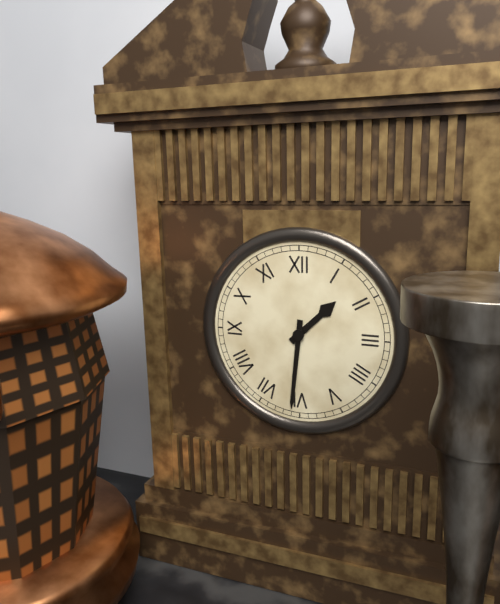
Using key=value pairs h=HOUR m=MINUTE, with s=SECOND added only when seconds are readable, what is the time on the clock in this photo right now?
h=1 m=31
